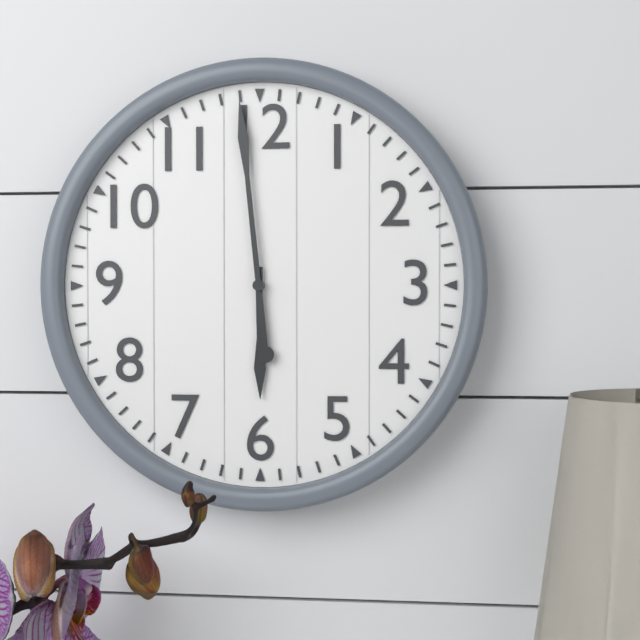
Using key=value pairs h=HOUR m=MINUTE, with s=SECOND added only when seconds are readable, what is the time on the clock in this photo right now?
h=5 m=59
